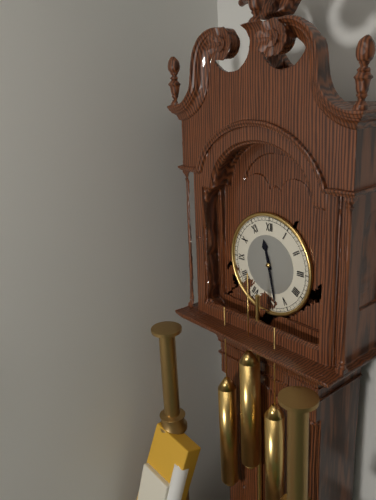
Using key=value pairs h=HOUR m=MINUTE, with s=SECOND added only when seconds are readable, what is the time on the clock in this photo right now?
h=11 m=28
